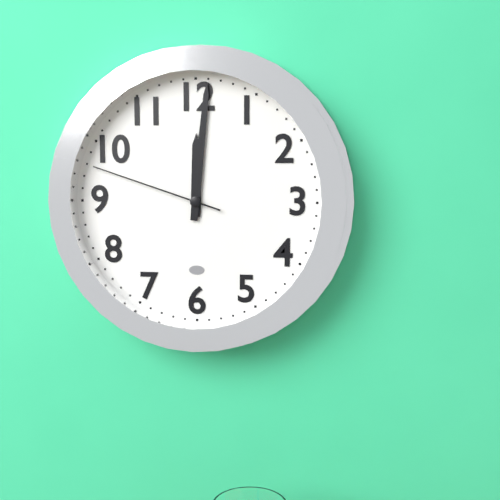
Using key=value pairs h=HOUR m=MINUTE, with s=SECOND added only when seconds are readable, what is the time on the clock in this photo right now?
h=12 m=1 s=48
